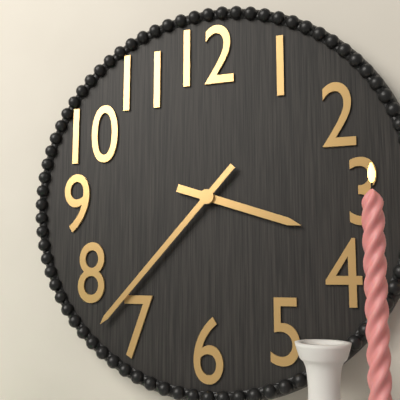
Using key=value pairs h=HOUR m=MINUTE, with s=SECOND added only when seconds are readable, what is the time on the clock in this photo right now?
h=3 m=37
